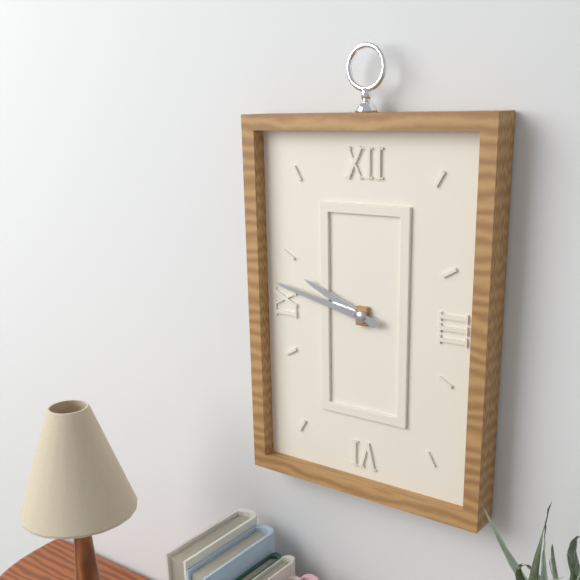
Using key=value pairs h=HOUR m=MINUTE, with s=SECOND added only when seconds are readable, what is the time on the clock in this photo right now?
h=9 m=47
